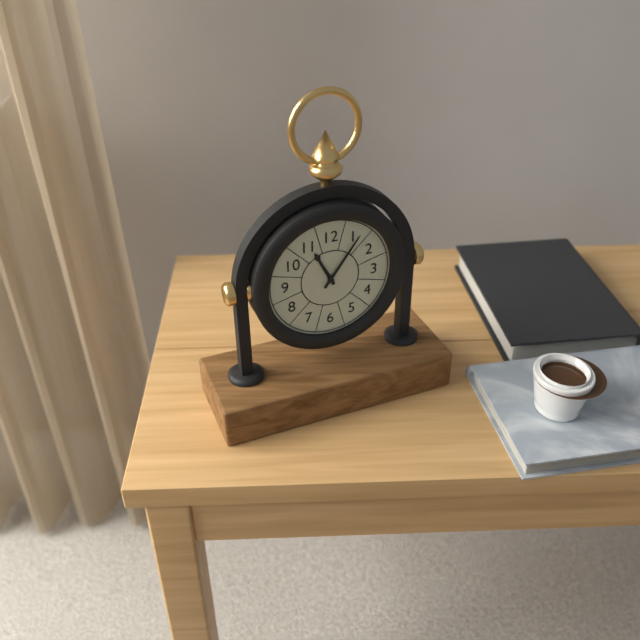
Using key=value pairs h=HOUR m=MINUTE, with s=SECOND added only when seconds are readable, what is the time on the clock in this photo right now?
h=11 m=6
